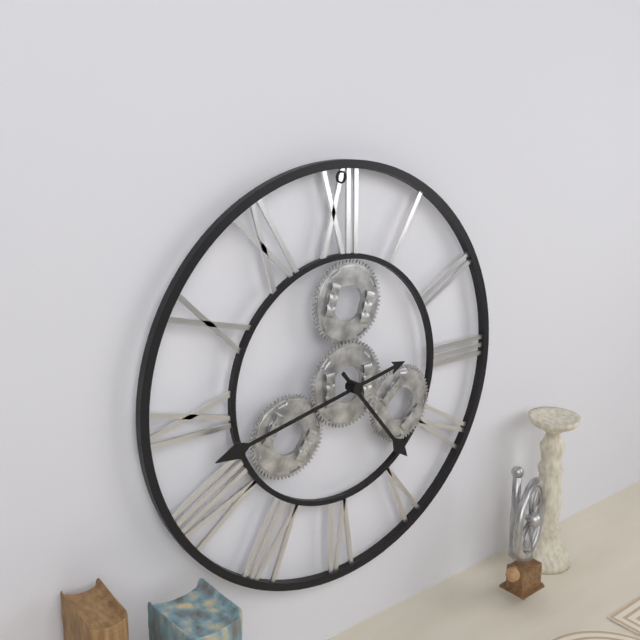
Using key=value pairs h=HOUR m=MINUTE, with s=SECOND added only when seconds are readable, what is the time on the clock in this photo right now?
h=4 m=43
